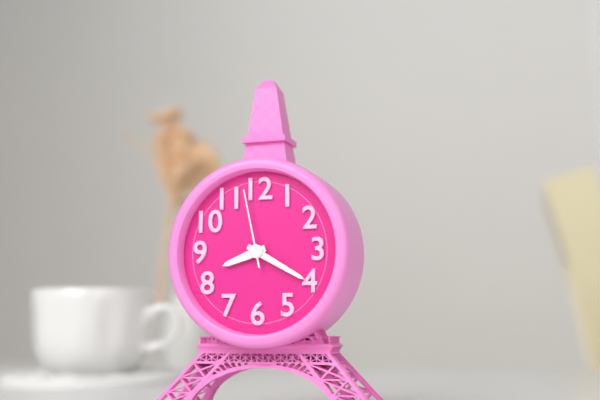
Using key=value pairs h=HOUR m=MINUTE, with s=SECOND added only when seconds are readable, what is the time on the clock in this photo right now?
h=8 m=20 s=58
